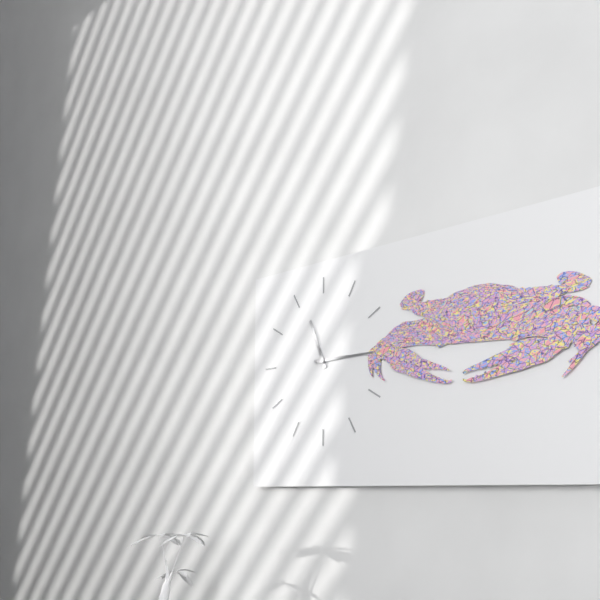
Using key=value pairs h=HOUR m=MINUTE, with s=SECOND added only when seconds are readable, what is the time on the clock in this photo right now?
h=11 m=15
